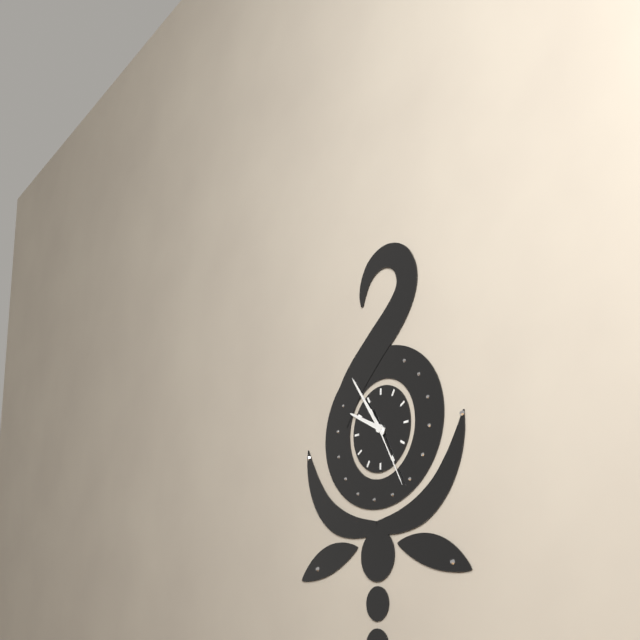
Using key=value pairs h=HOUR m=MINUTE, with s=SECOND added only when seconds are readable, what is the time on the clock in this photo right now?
h=9 m=54 s=25
